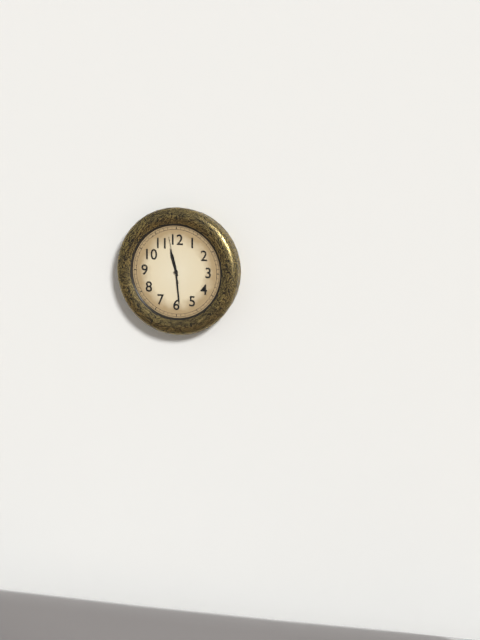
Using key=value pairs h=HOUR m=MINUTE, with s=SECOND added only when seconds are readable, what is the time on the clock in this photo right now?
h=11 m=29
